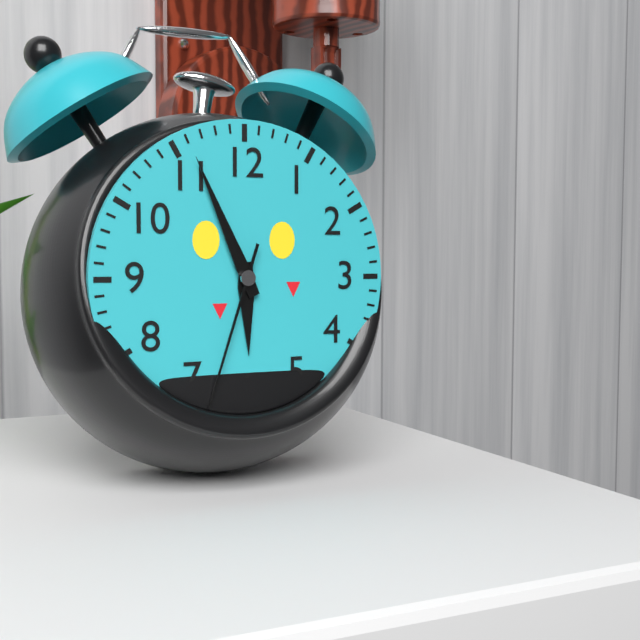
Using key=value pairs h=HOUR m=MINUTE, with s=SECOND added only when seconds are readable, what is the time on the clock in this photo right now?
h=5 m=56 s=33
